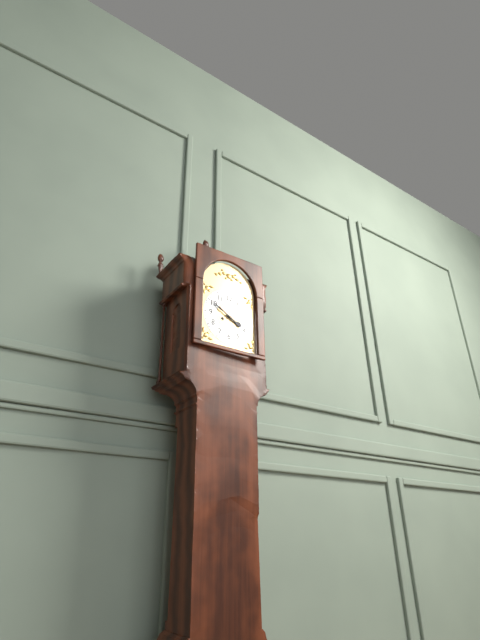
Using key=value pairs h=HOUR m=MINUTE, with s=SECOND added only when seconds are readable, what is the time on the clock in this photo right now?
h=3 m=50
